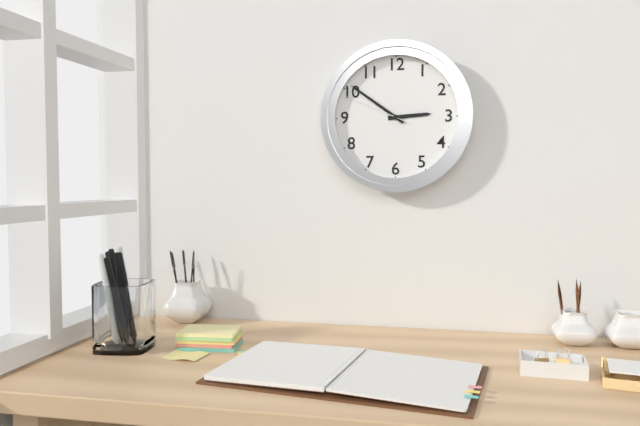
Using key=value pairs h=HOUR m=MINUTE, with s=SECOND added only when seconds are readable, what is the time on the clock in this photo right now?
h=2 m=51 s=49
